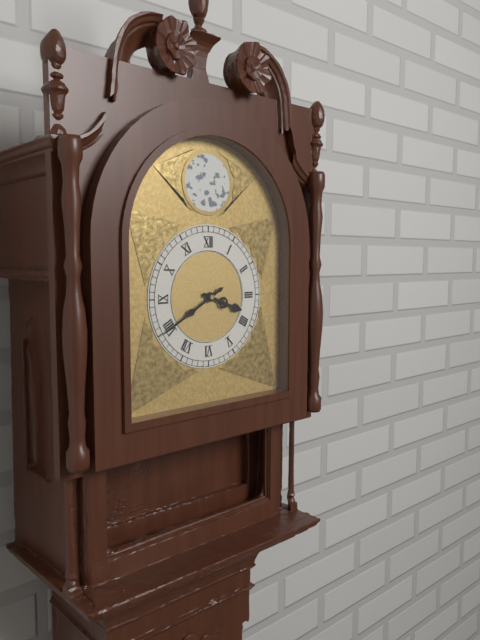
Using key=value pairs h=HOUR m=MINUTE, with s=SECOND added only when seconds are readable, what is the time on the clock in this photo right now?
h=3 m=40
